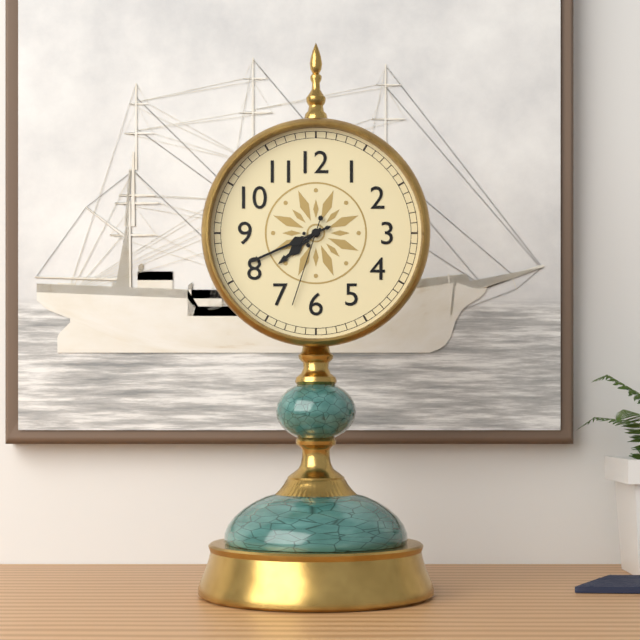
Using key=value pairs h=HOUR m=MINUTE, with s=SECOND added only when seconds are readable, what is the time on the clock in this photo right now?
h=7 m=41 s=33
